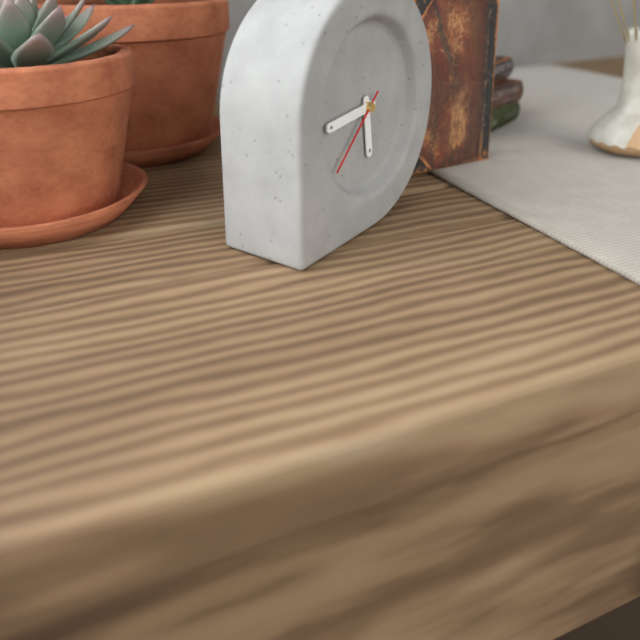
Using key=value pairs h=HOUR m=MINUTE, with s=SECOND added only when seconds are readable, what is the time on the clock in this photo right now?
h=5 m=44 s=38
